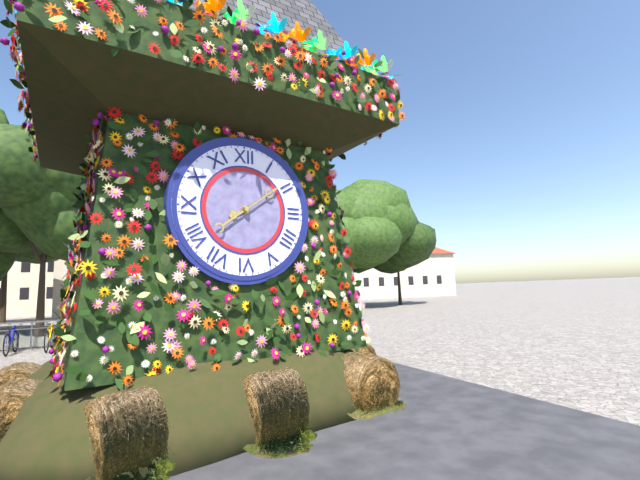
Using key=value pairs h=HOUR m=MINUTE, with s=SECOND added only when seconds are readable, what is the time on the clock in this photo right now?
h=8 m=9
